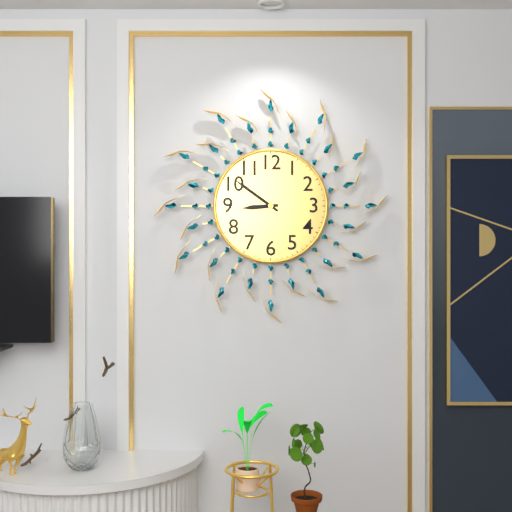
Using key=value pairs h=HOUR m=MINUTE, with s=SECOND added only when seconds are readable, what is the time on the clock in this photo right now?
h=8 m=51
